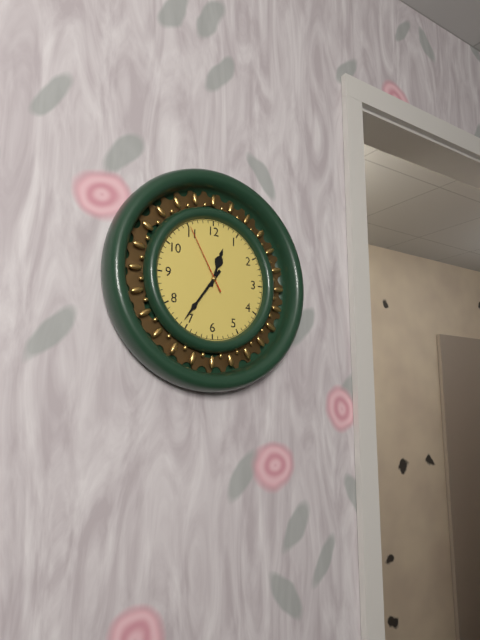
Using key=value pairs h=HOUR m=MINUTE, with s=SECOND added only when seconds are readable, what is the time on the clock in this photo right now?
h=12 m=36 s=55
